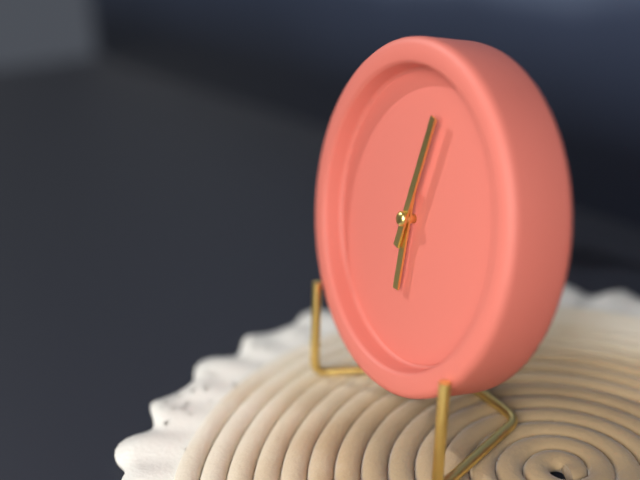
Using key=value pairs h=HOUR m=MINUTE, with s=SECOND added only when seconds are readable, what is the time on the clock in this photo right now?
h=6 m=2
